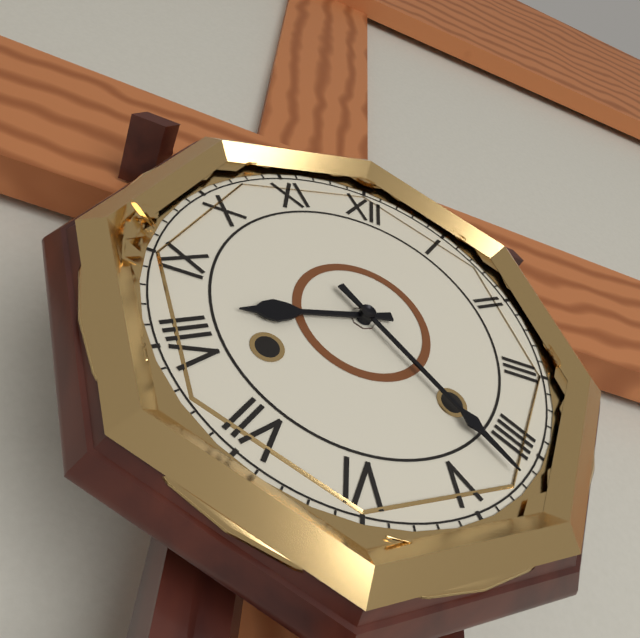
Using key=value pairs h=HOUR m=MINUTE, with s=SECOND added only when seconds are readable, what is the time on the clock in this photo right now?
h=8 m=22
